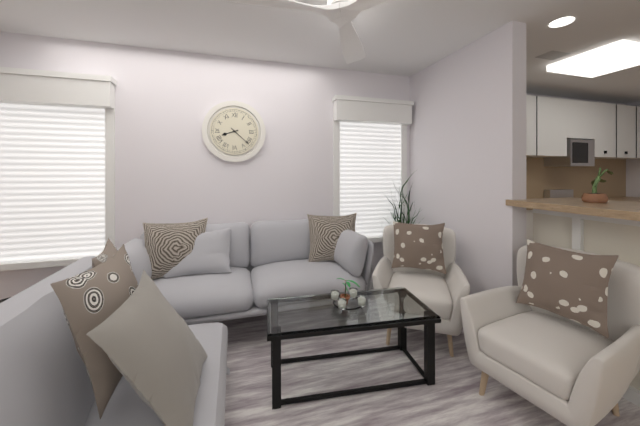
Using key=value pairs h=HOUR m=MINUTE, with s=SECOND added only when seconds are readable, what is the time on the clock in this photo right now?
h=8 m=22
